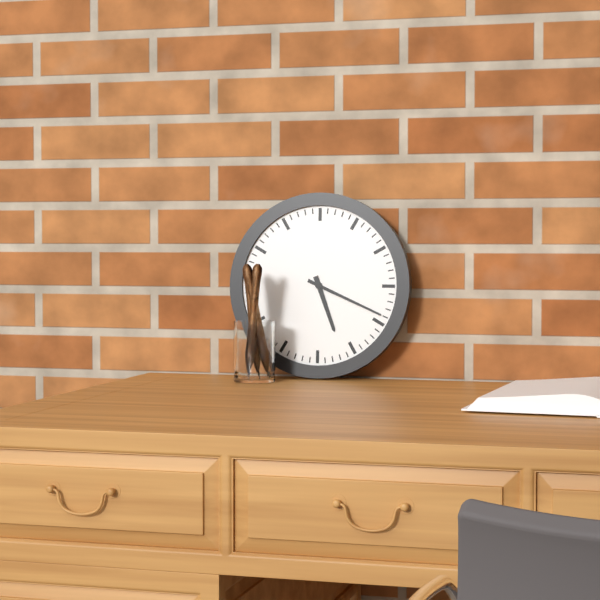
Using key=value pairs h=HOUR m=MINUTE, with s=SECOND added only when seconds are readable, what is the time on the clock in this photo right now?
h=5 m=19
